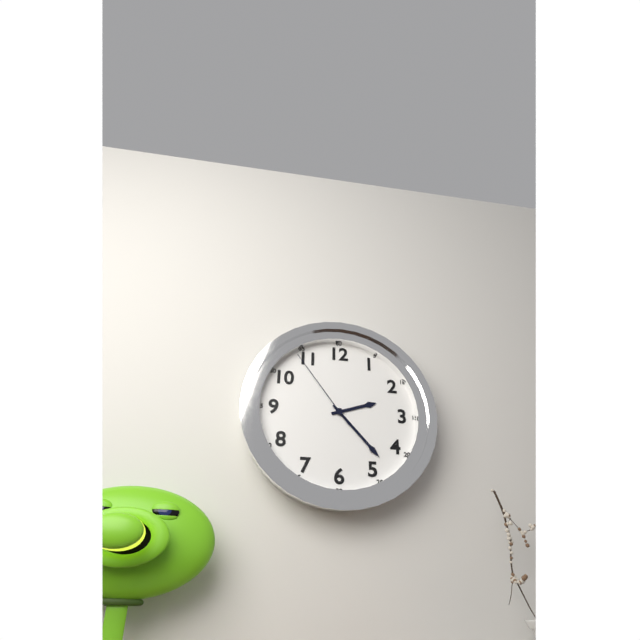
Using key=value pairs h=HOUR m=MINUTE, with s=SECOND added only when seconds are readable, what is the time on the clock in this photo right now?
h=2 m=23 s=54
